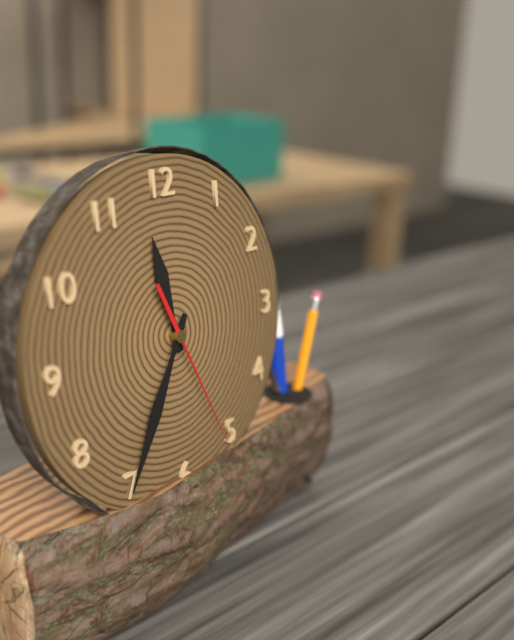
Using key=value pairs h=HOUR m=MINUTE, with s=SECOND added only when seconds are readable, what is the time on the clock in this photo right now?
h=11 m=35 s=26
